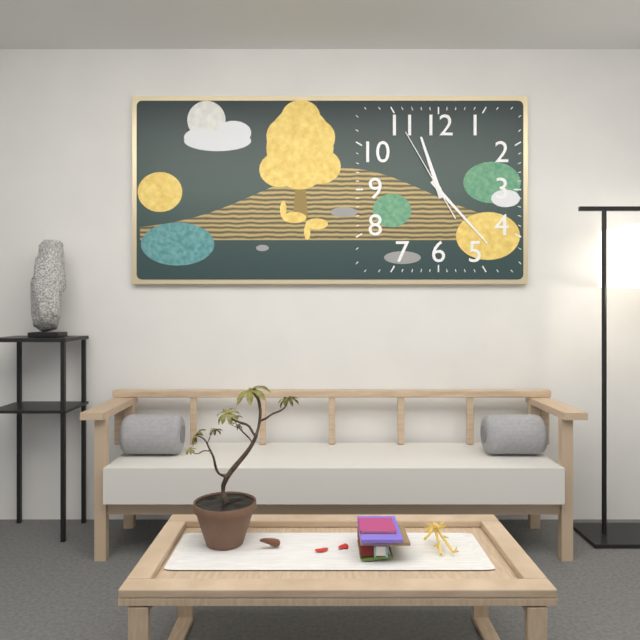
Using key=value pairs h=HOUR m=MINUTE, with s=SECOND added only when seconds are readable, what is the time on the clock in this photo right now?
h=11 m=23 s=55
